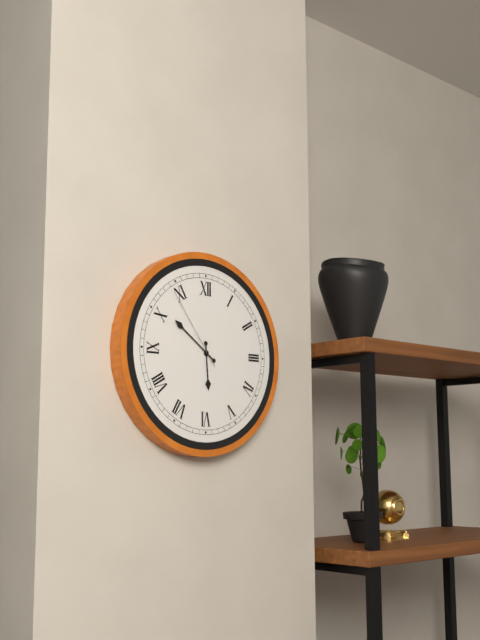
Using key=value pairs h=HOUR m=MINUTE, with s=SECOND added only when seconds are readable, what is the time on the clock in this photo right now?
h=5 m=51 s=54
